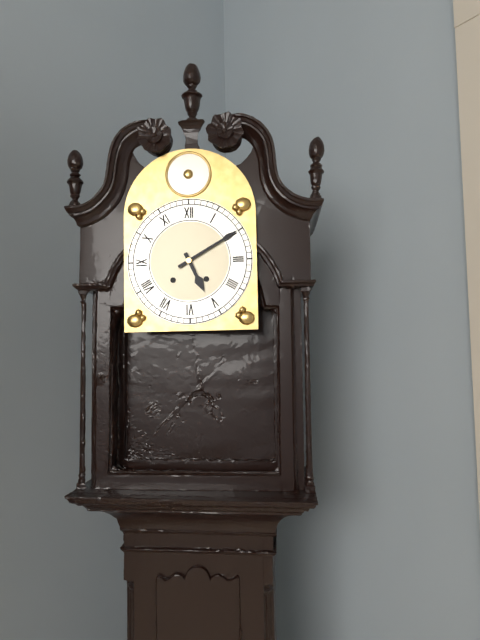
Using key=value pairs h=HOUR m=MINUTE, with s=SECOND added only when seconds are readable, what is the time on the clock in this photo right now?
h=5 m=10
